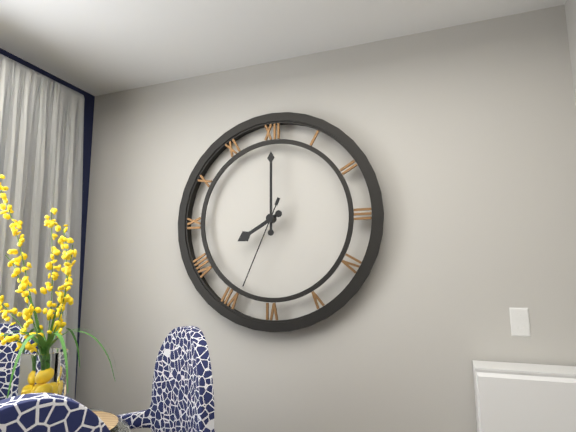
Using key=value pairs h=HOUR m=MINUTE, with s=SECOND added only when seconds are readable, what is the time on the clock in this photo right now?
h=8 m=0 s=34
